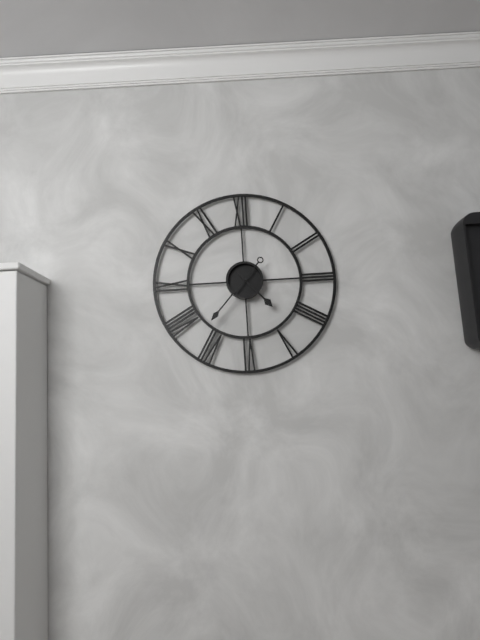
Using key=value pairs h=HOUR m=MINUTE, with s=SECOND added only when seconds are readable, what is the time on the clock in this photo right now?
h=4 m=37
